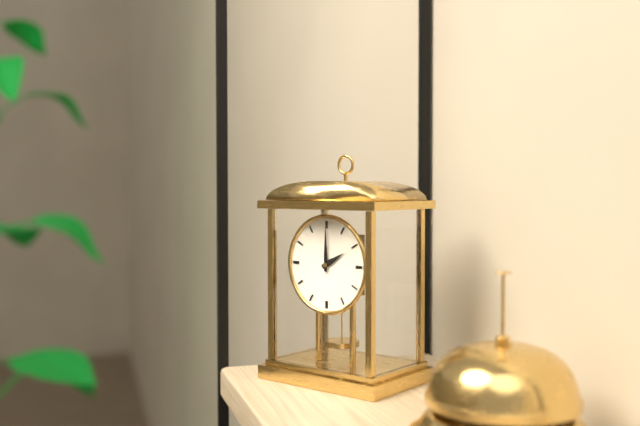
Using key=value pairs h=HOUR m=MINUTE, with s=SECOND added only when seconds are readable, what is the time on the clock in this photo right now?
h=2 m=0
